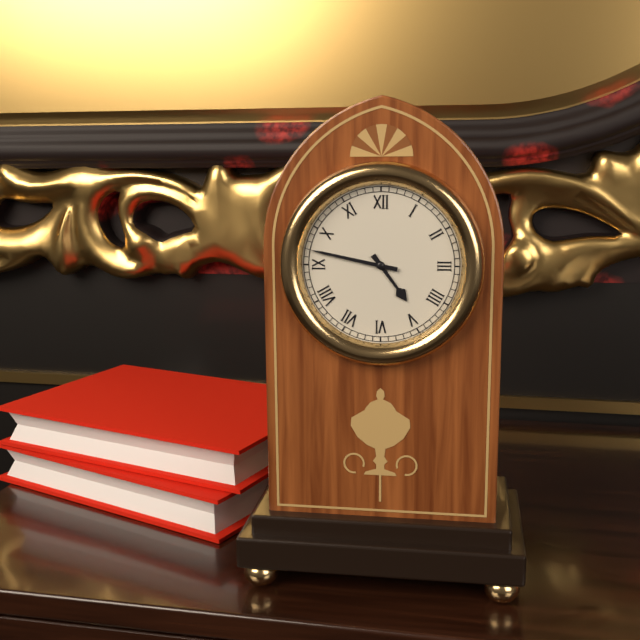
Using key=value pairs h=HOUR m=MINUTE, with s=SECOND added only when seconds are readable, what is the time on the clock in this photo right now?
h=4 m=47
